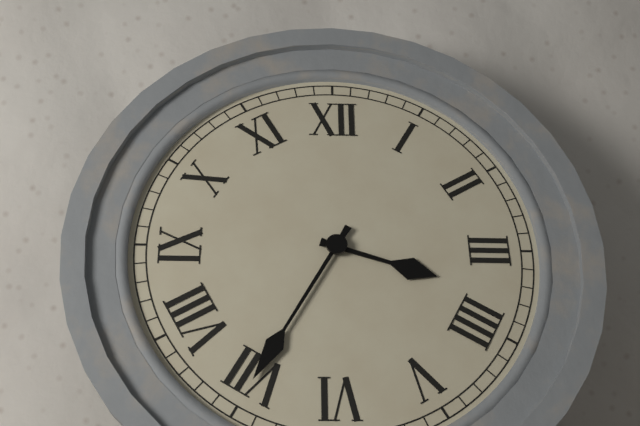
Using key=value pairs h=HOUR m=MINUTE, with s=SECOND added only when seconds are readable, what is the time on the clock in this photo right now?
h=3 m=35
